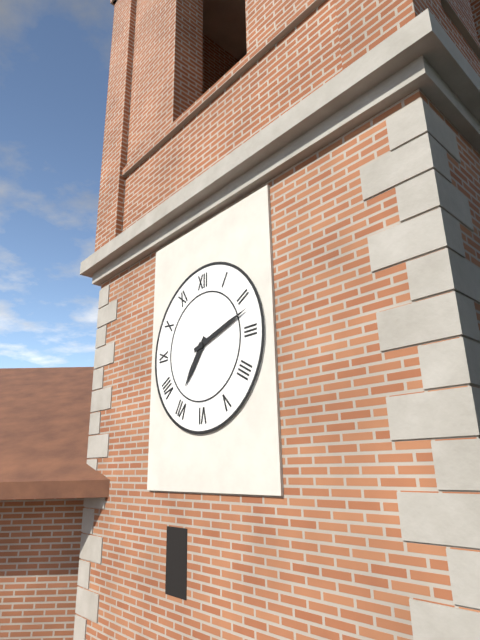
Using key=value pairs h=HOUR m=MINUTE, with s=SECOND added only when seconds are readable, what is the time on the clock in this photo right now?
h=7 m=12
